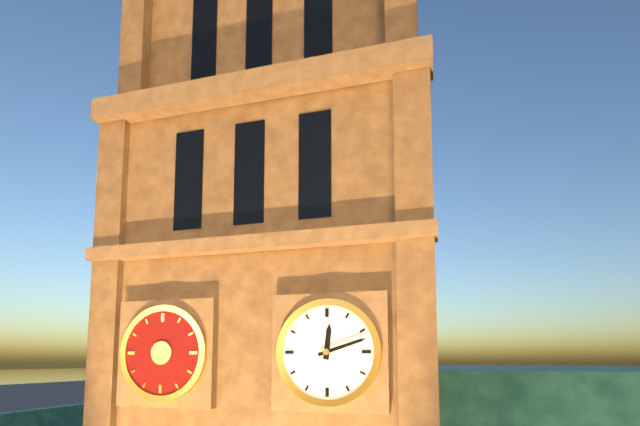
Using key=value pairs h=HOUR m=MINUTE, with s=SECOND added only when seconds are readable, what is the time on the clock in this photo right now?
h=12 m=12
